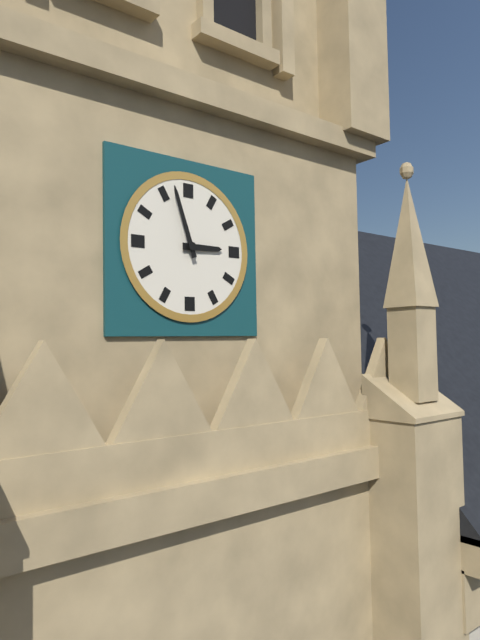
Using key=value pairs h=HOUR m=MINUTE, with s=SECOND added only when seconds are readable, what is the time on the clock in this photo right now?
h=2 m=57
